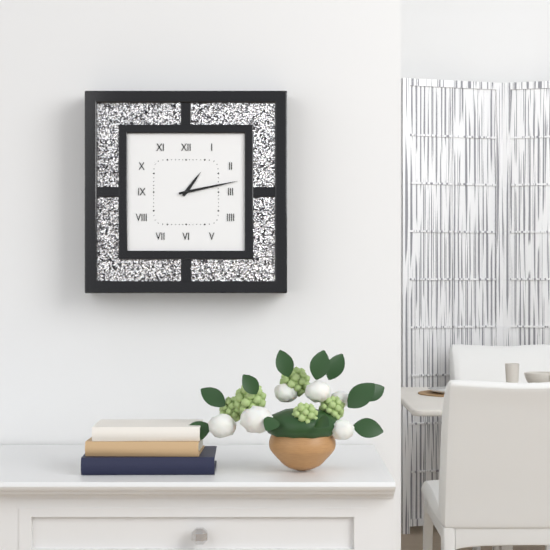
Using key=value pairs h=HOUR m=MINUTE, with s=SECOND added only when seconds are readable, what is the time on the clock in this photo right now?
h=1 m=13
